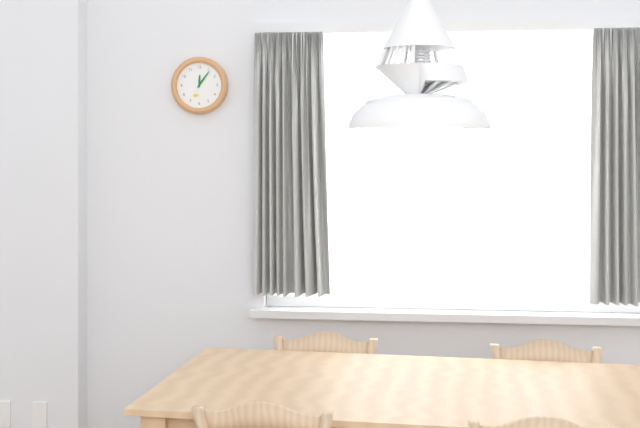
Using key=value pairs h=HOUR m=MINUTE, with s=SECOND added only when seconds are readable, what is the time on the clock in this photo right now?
h=12 m=6
